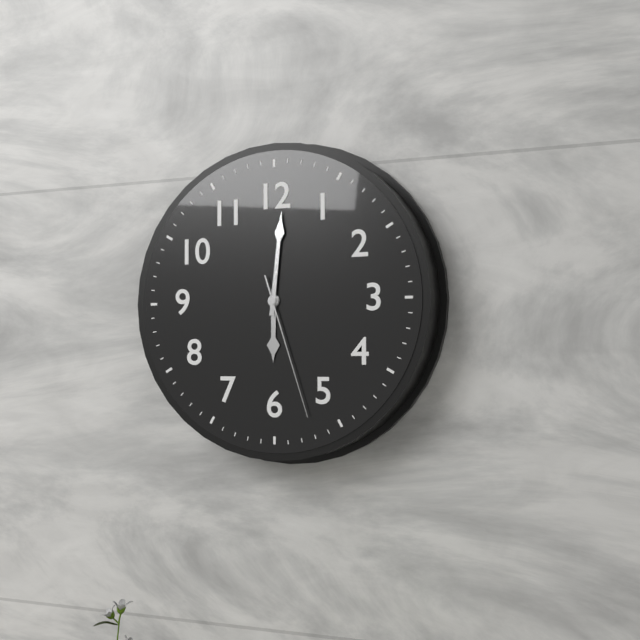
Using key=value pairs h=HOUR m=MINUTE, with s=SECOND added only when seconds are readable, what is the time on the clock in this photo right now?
h=6 m=1 s=27
